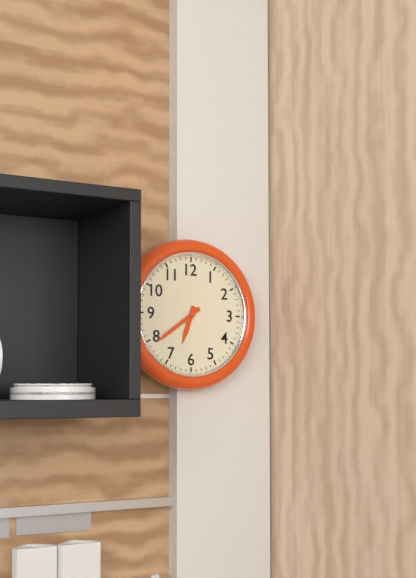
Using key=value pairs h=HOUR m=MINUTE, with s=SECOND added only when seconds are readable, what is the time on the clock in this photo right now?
h=6 m=39
